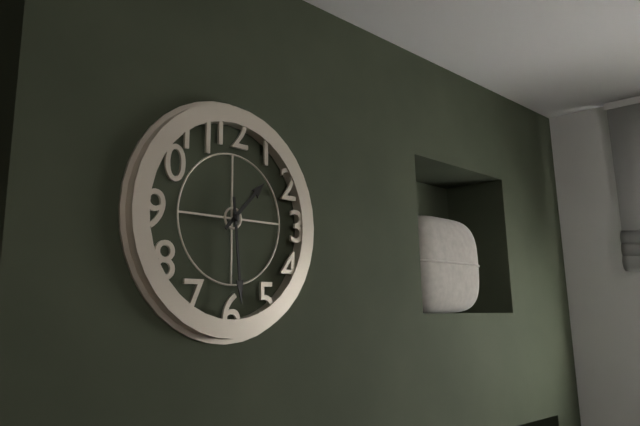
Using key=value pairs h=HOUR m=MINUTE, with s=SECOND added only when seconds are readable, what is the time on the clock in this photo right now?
h=1 m=29
